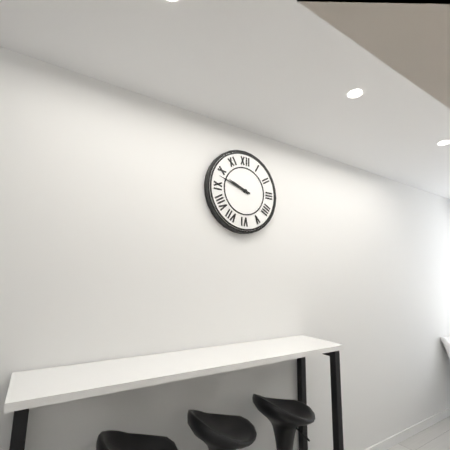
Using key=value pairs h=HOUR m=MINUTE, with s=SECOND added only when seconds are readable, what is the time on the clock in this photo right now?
h=9 m=48
